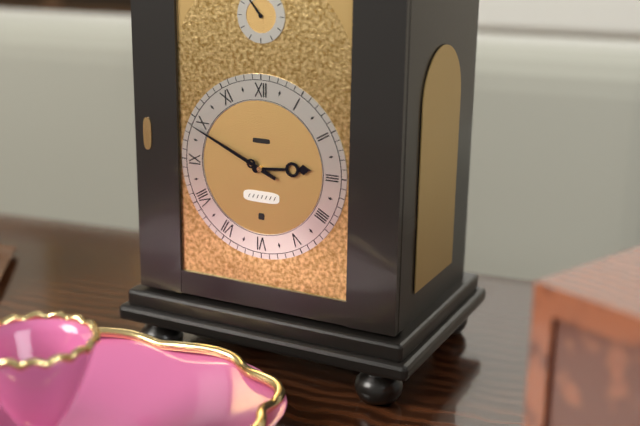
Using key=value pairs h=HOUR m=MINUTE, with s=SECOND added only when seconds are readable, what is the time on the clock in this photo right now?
h=2 m=49
